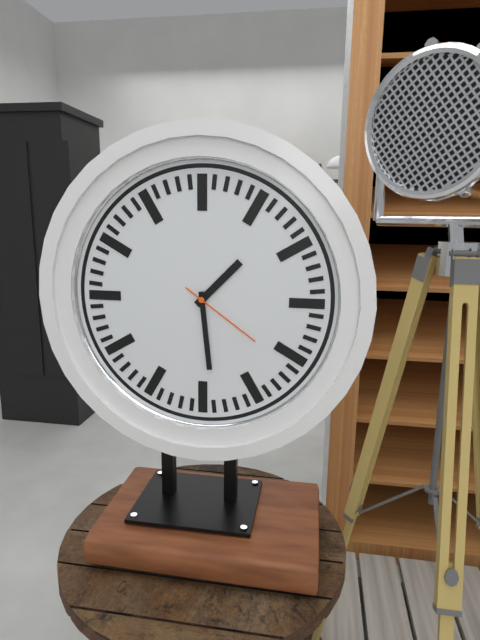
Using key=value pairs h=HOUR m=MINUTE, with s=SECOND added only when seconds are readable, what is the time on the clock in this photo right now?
h=1 m=29 s=21
